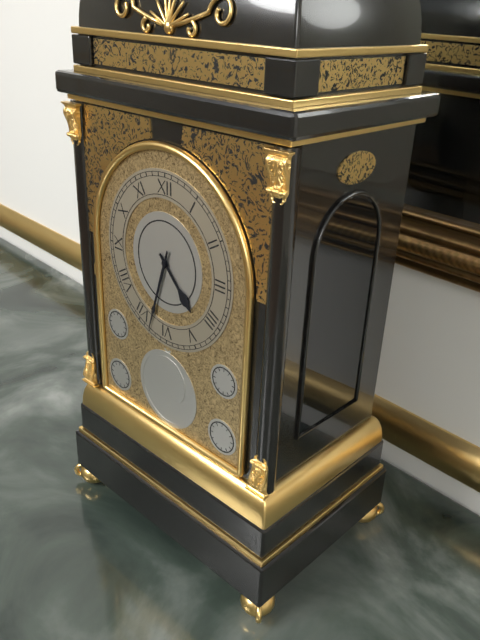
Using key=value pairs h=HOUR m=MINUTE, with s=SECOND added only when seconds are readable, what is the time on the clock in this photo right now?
h=4 m=33
